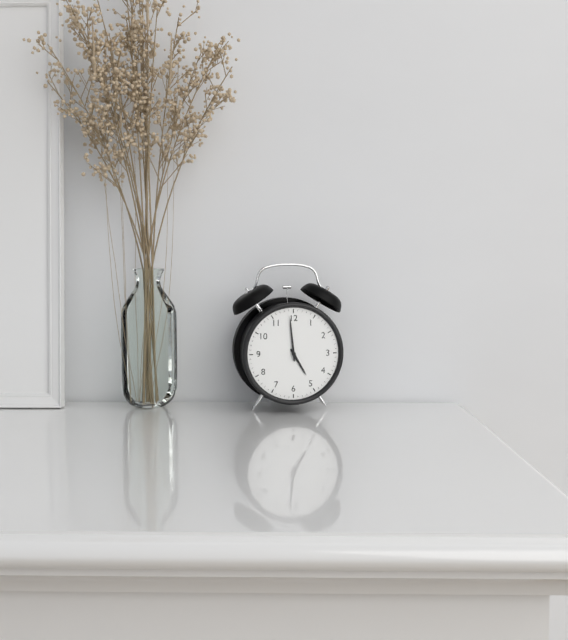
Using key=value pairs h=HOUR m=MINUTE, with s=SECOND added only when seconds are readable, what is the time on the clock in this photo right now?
h=4 m=59
